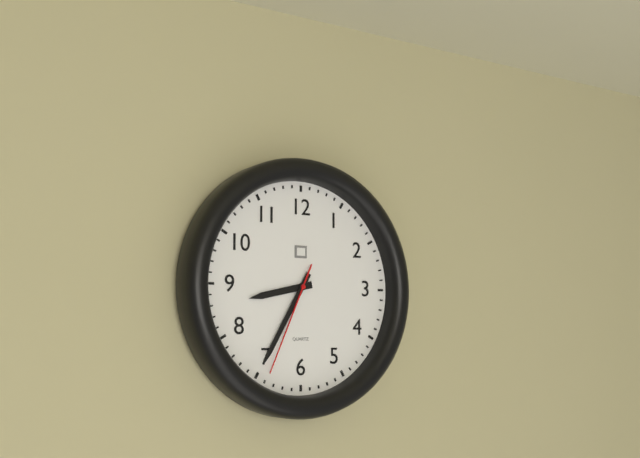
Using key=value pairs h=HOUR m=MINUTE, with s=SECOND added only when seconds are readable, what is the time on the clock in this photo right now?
h=8 m=35 s=34
